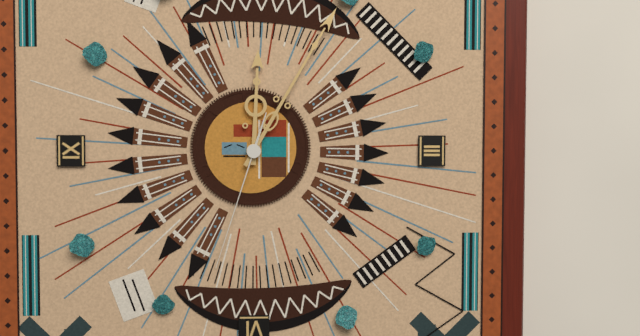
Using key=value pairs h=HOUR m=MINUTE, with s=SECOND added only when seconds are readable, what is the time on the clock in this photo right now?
h=12 m=5 s=33
